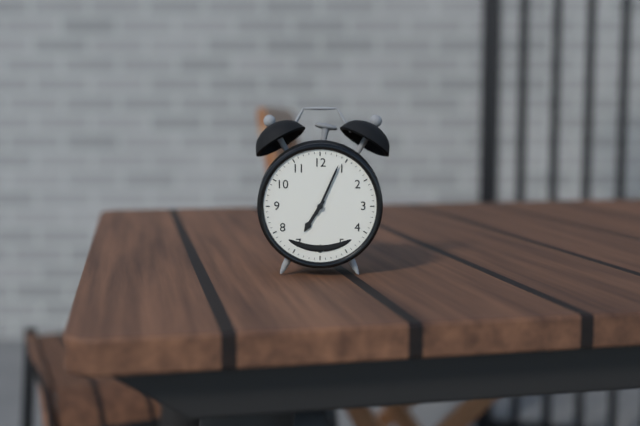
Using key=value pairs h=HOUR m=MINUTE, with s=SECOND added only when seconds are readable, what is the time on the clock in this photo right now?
h=7 m=4
